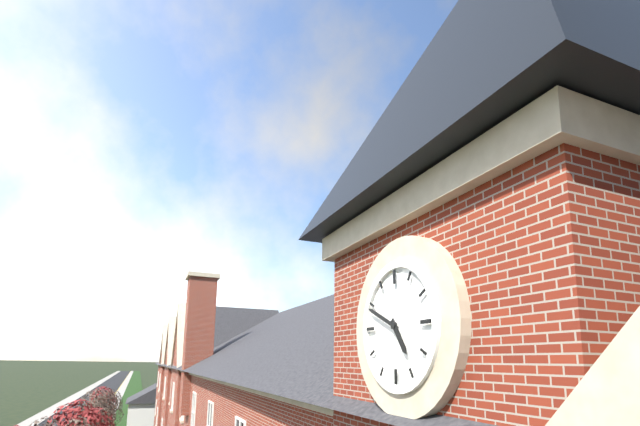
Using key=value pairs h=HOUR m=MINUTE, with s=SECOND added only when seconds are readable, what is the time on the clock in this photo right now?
h=4 m=49
